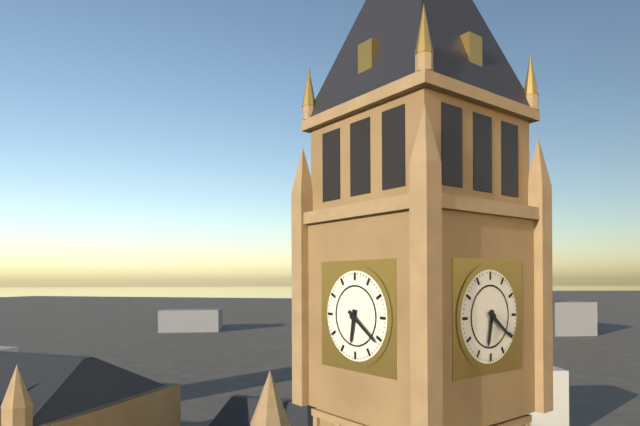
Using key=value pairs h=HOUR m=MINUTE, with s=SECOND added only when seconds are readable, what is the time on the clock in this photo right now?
h=6 m=21
